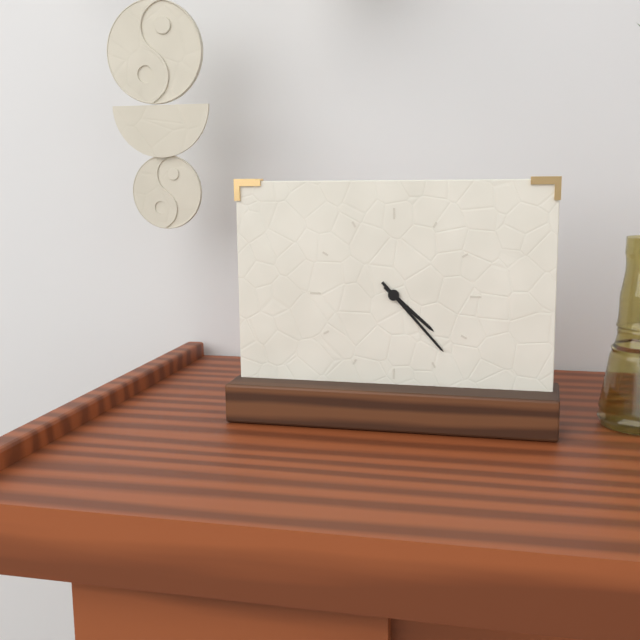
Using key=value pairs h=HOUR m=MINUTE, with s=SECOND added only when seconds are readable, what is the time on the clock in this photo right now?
h=4 m=23
